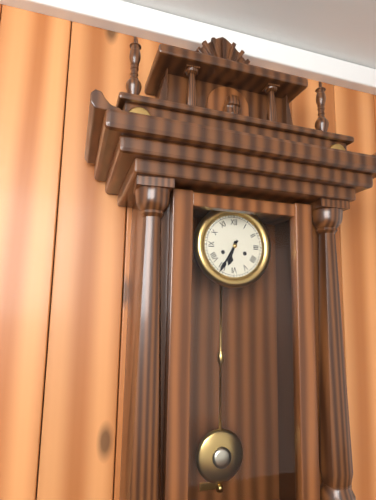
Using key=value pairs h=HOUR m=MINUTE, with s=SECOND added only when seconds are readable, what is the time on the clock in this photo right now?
h=6 m=35
